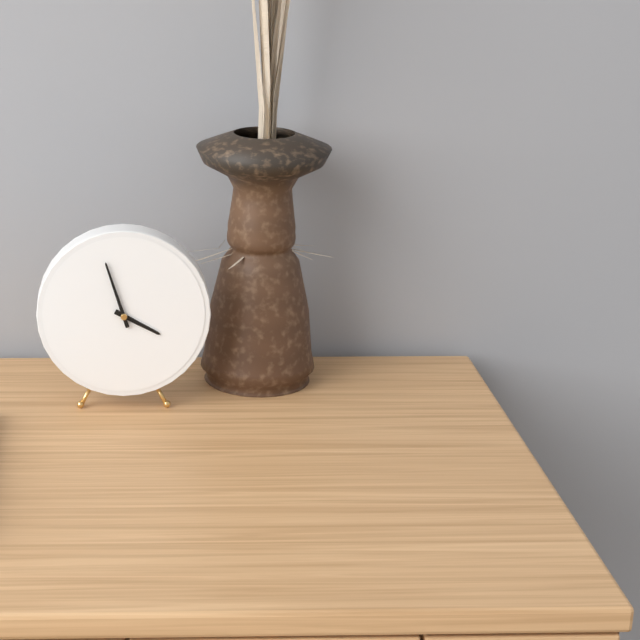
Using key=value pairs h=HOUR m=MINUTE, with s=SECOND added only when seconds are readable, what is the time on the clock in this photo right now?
h=3 m=57
